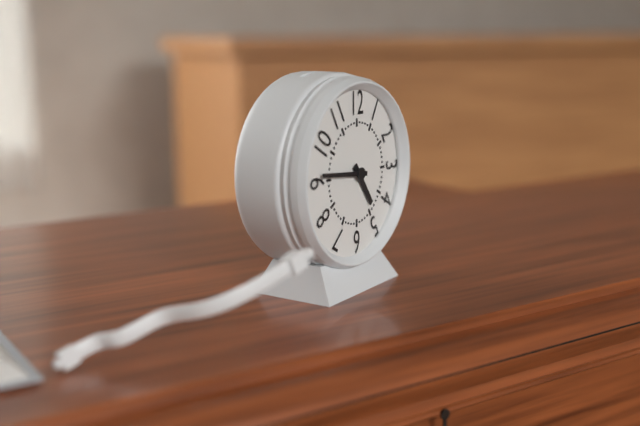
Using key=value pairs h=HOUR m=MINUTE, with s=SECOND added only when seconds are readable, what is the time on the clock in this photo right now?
h=4 m=46
